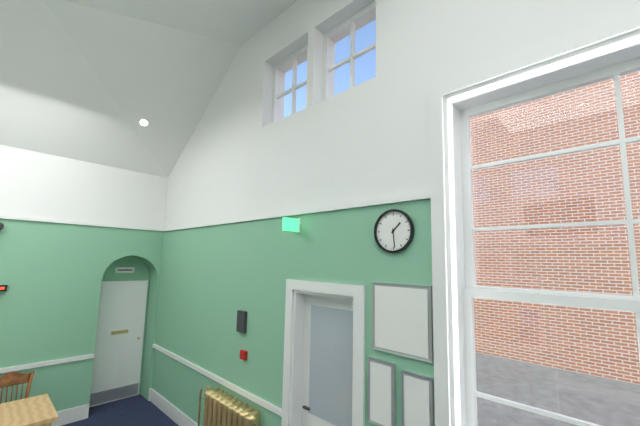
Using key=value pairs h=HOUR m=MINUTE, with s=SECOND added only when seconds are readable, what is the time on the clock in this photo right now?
h=1 m=29
